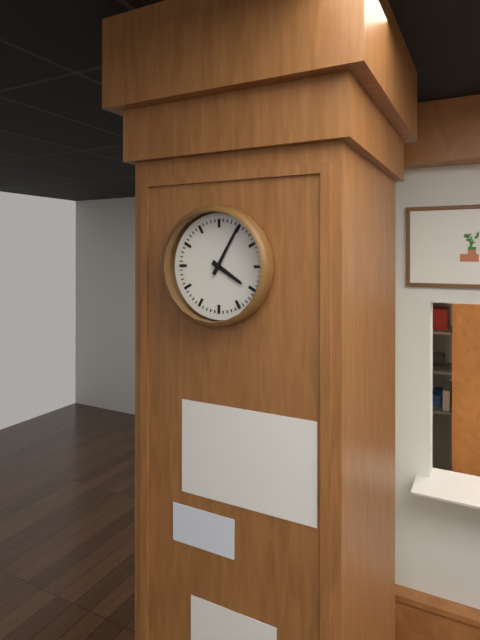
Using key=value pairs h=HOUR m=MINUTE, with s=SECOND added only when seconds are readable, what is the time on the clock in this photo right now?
h=4 m=5
